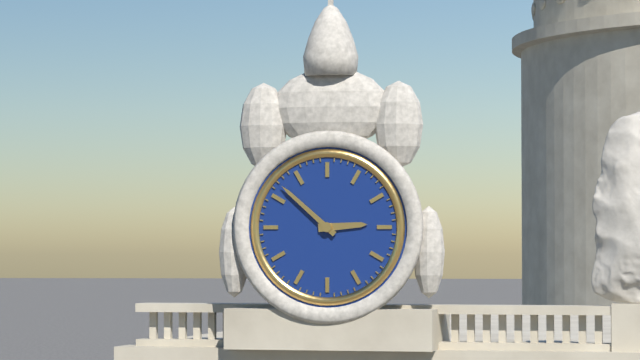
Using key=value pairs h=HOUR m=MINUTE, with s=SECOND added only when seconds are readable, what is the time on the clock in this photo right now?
h=2 m=52
